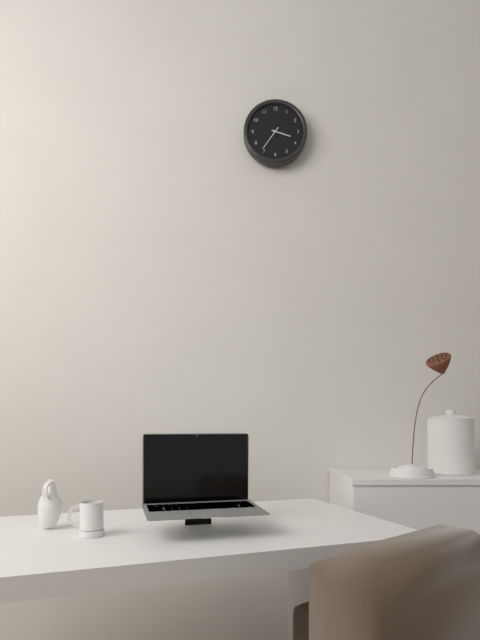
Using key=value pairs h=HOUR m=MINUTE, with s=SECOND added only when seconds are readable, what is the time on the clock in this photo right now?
h=3 m=36
